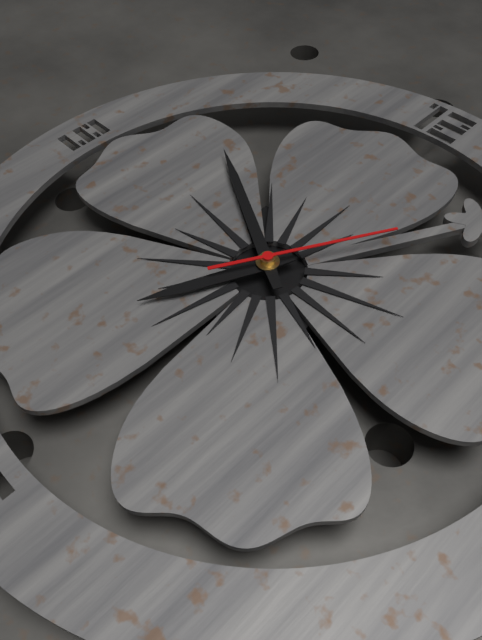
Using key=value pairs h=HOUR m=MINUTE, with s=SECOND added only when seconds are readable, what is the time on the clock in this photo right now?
h=6 m=50 s=5
